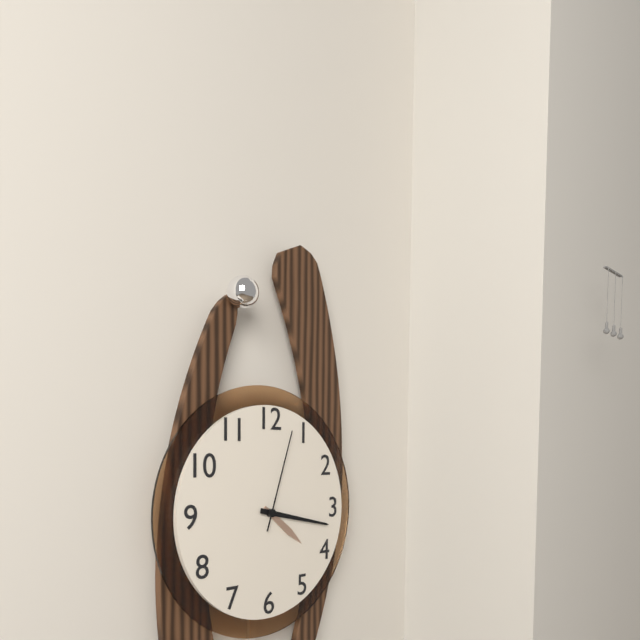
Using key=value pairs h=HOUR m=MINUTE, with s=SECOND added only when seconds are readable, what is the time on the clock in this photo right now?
h=4 m=17 s=3
